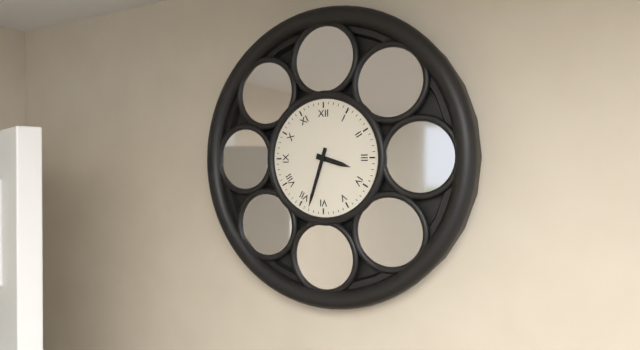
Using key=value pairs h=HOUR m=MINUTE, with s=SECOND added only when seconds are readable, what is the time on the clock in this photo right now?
h=3 m=33
